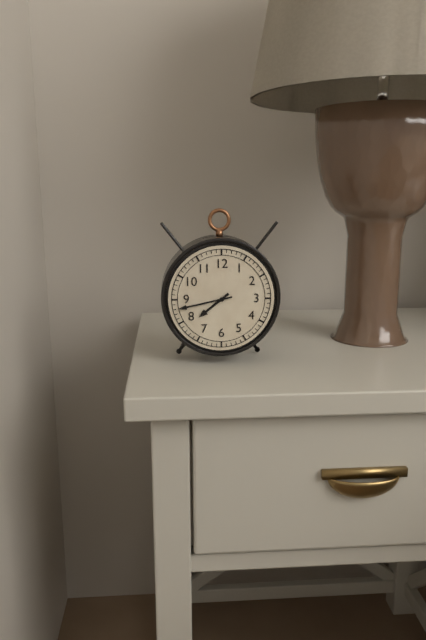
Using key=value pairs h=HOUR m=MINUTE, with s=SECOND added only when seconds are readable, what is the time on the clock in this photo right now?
h=7 m=43
